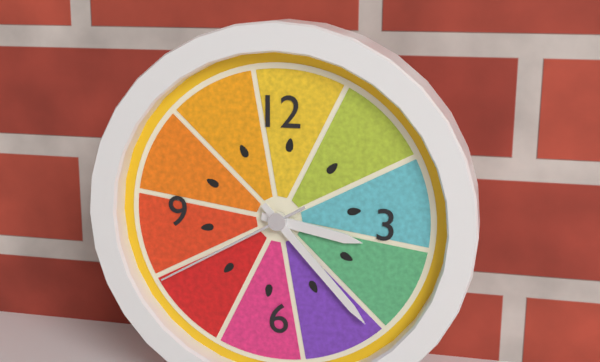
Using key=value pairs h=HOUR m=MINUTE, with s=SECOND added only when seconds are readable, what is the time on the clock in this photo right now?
h=3 m=23 s=40
